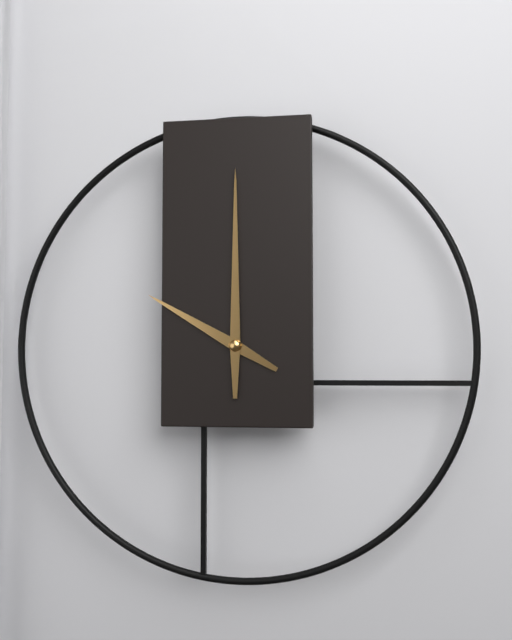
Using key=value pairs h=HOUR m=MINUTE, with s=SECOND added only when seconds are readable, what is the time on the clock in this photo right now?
h=10 m=0
